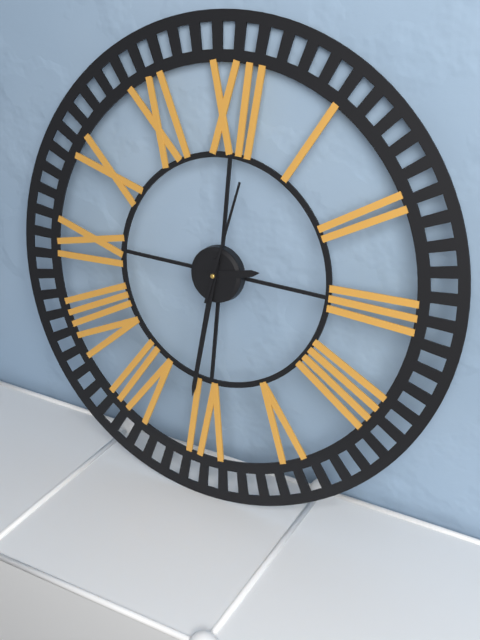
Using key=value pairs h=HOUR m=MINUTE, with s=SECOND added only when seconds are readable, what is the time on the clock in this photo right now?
h=2 m=31 s=2
